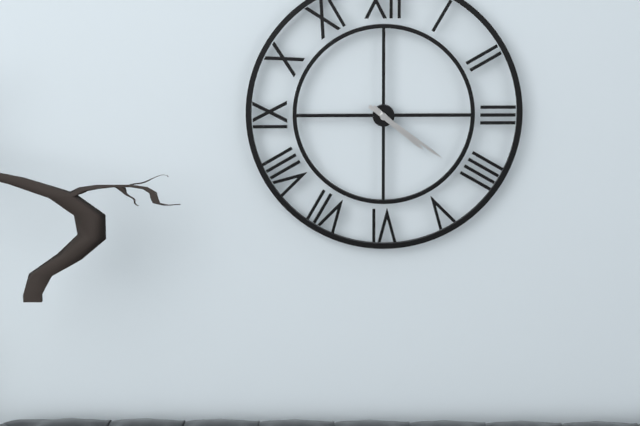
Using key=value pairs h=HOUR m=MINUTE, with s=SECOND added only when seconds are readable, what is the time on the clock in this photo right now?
h=4 m=21
